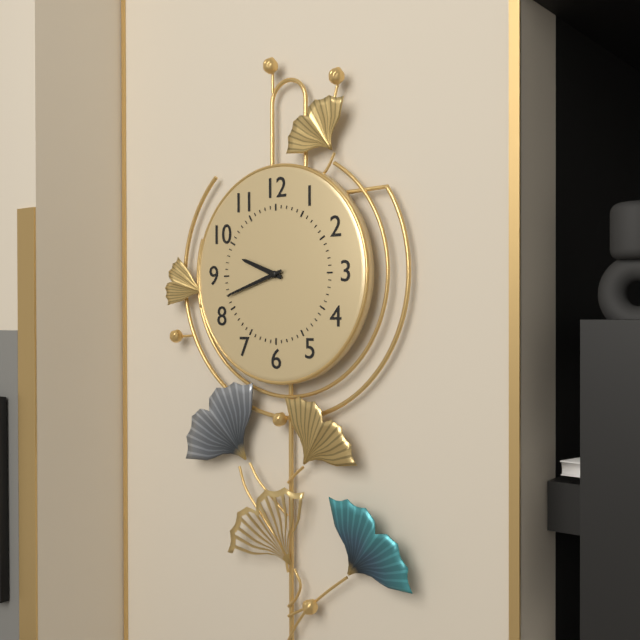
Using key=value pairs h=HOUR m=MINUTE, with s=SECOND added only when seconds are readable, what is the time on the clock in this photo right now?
h=9 m=42
